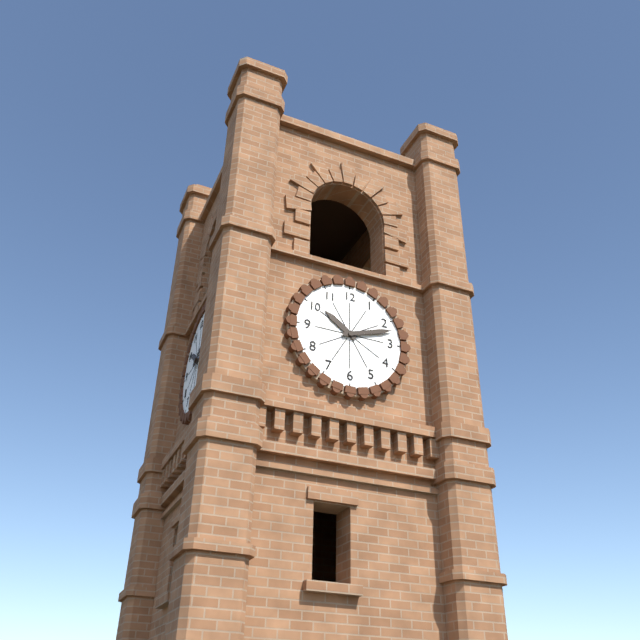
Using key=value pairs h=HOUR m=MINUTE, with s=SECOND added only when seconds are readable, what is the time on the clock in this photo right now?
h=10 m=12
